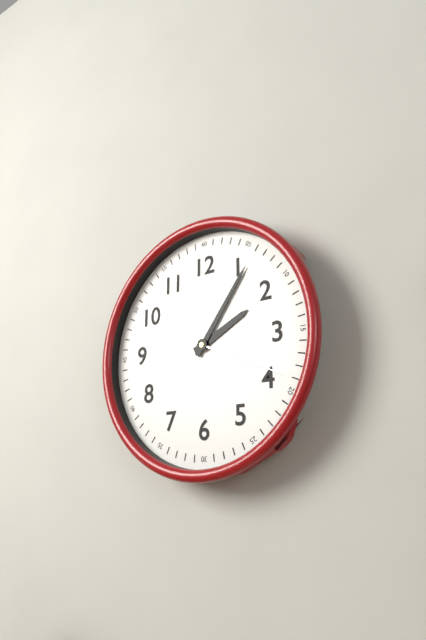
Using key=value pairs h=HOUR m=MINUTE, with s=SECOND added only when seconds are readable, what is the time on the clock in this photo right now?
h=2 m=6 s=19
